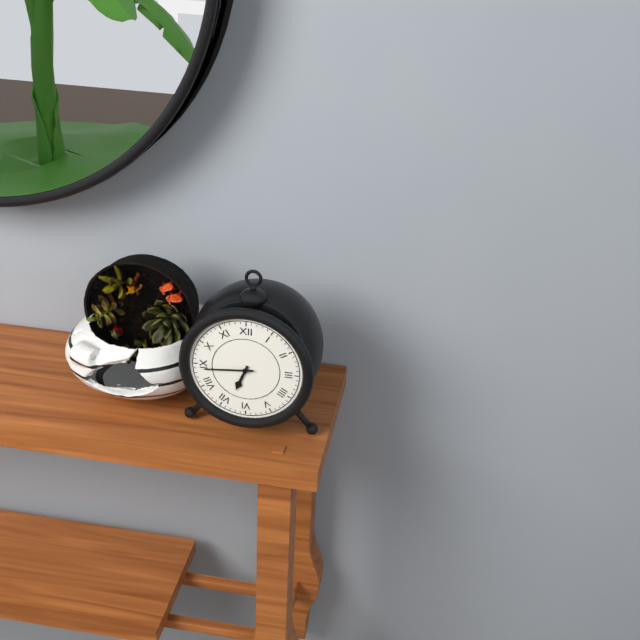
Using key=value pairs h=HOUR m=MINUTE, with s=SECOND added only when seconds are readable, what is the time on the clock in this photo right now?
h=6 m=44
